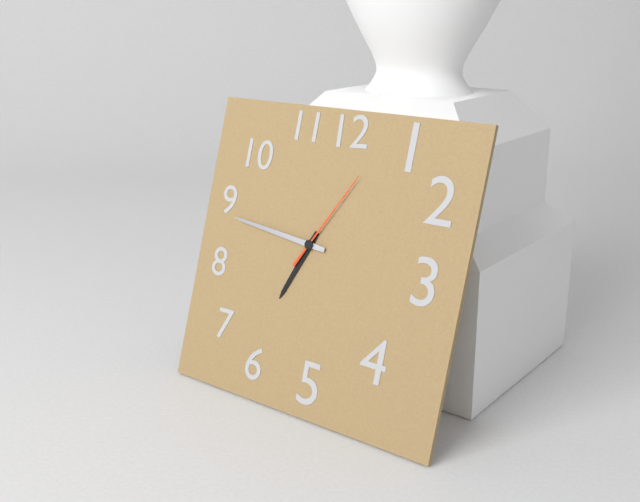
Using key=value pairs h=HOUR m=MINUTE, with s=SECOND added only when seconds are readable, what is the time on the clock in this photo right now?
h=6 m=46 s=5
